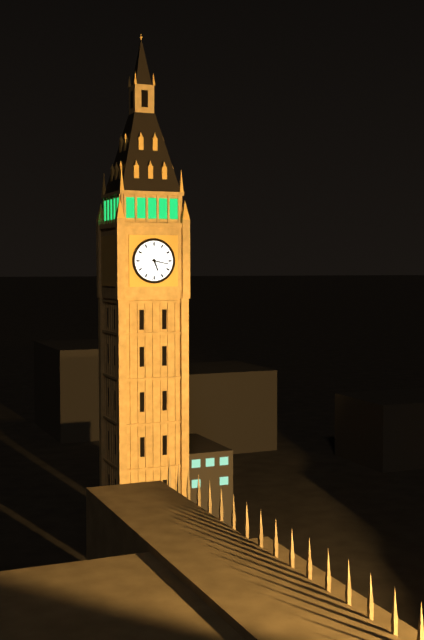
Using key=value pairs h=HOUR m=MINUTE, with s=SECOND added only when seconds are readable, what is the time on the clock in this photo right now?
h=5 m=17
